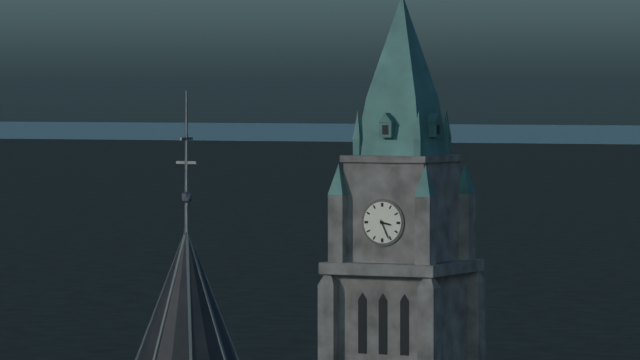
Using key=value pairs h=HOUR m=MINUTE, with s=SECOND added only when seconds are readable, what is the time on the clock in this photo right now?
h=3 m=26
